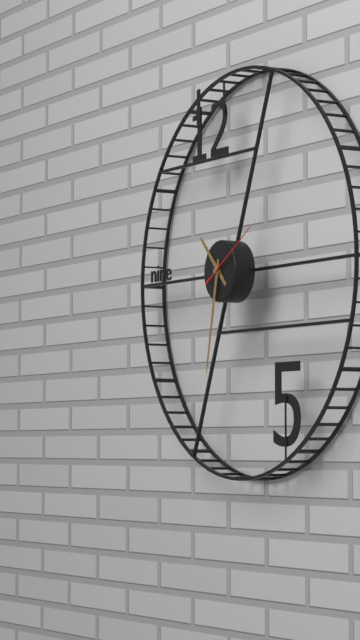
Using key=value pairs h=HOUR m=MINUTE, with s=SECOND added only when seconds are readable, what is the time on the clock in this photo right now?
h=10 m=32 s=10
